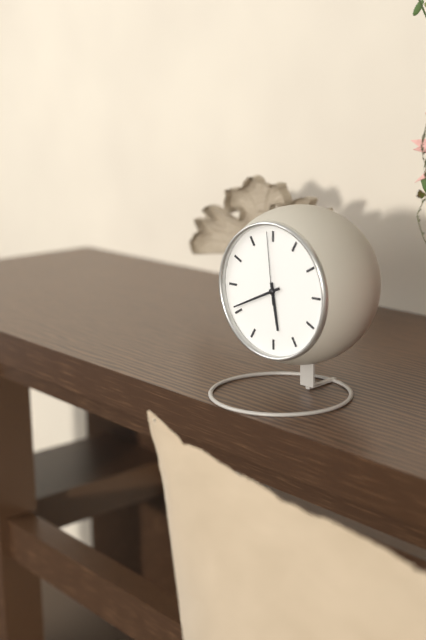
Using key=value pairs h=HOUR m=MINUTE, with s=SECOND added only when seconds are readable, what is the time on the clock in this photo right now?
h=5 m=41 s=59
